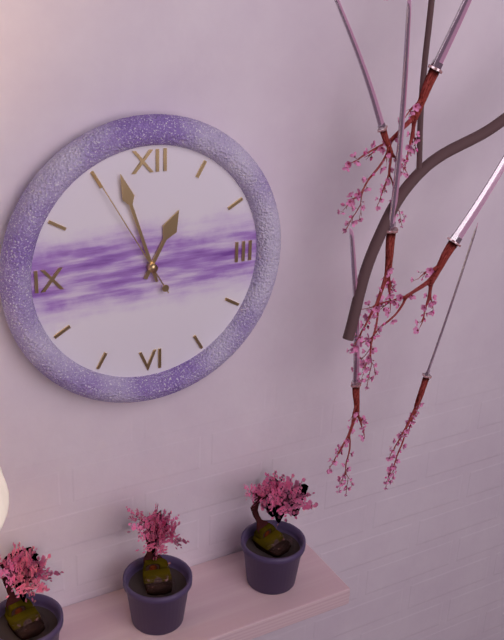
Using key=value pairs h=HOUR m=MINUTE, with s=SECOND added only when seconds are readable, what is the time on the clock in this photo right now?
h=12 m=57 s=55
